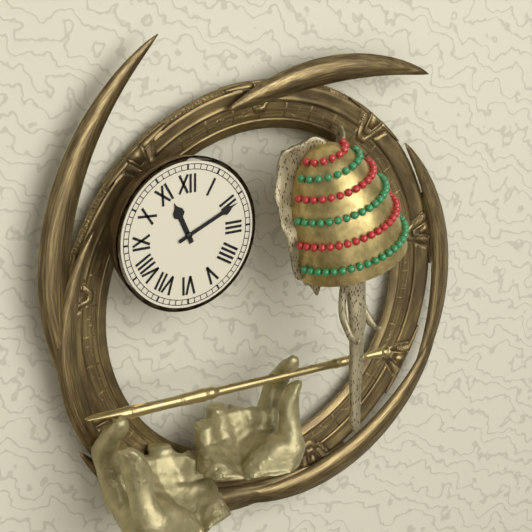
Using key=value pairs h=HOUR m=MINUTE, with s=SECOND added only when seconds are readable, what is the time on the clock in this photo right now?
h=11 m=11
